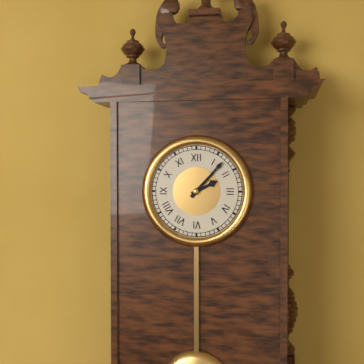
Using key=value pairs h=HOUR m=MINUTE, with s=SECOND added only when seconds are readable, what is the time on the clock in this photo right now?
h=2 m=7
